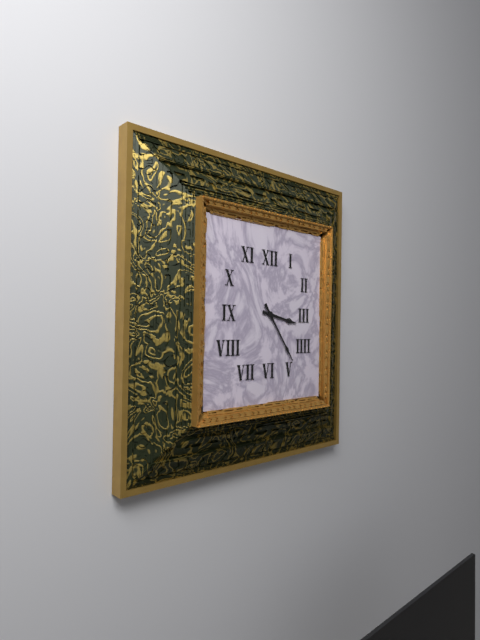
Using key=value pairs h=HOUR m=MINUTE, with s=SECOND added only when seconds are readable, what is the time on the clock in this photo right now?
h=3 m=24
